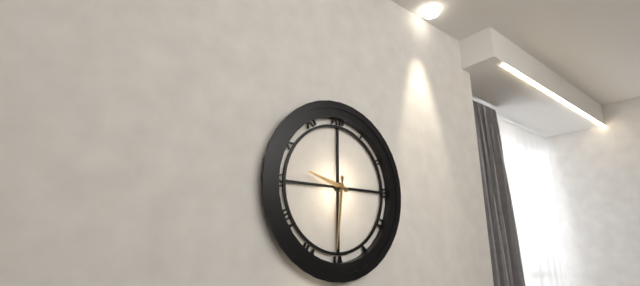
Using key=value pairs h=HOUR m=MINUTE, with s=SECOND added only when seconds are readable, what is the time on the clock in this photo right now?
h=9 m=31
